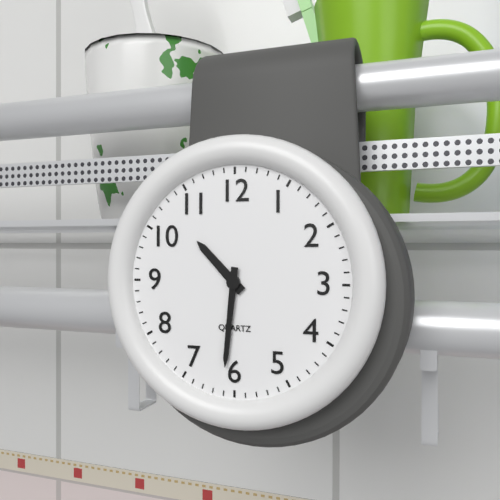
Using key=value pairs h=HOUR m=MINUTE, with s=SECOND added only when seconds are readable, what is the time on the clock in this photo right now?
h=10 m=31
